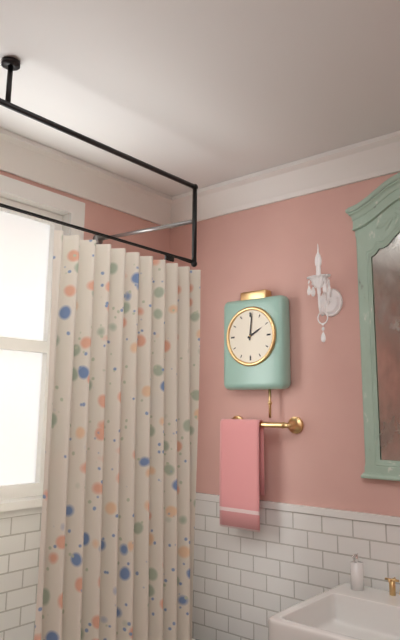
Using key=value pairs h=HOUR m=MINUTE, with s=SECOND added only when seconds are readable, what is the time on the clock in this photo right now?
h=2 m=1
